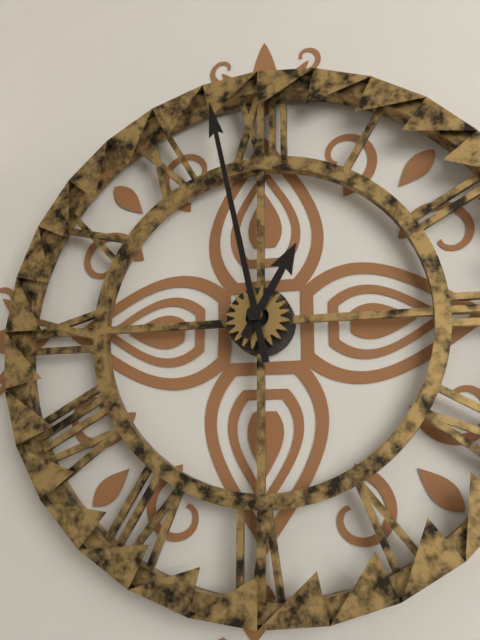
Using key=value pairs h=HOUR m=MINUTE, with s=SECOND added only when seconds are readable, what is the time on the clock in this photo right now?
h=12 m=58
